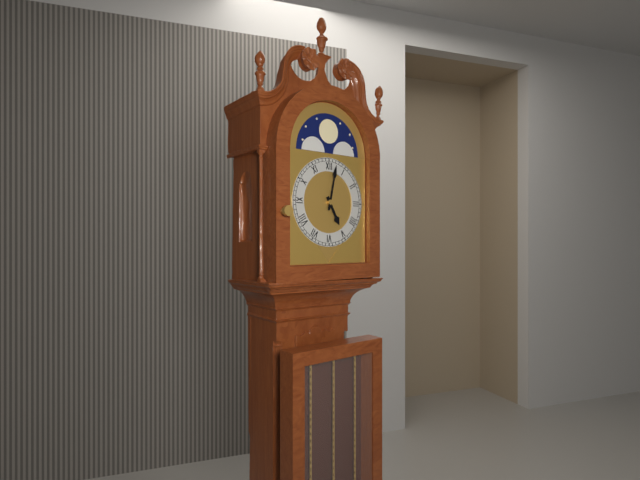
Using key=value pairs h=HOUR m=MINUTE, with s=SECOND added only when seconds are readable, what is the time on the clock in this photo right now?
h=5 m=2
